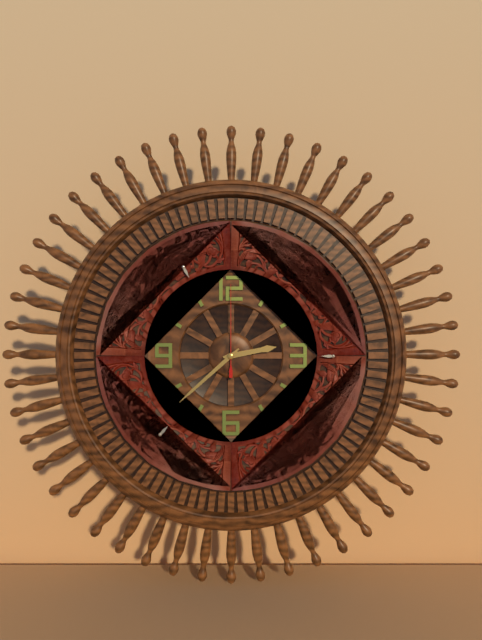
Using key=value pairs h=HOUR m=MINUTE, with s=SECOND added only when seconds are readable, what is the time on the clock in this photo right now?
h=2 m=38 s=0
